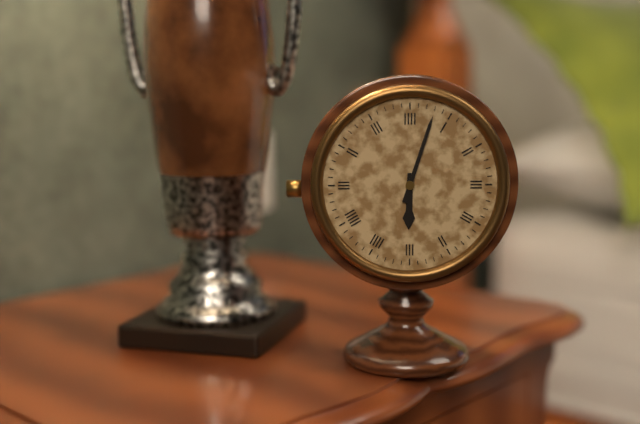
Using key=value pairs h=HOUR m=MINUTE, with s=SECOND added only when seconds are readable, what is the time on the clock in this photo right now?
h=6 m=3
